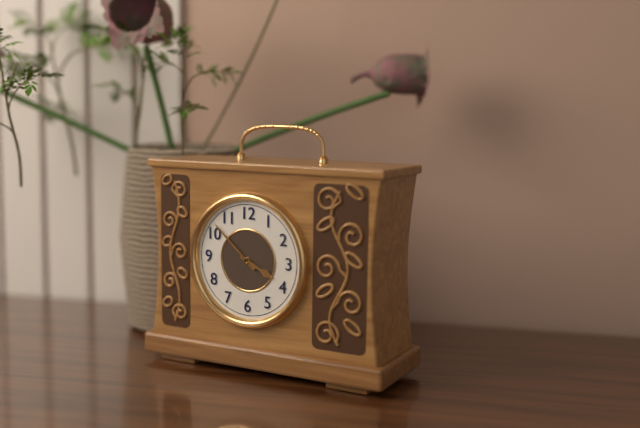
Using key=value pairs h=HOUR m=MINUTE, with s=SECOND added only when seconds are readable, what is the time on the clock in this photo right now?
h=3 m=52
